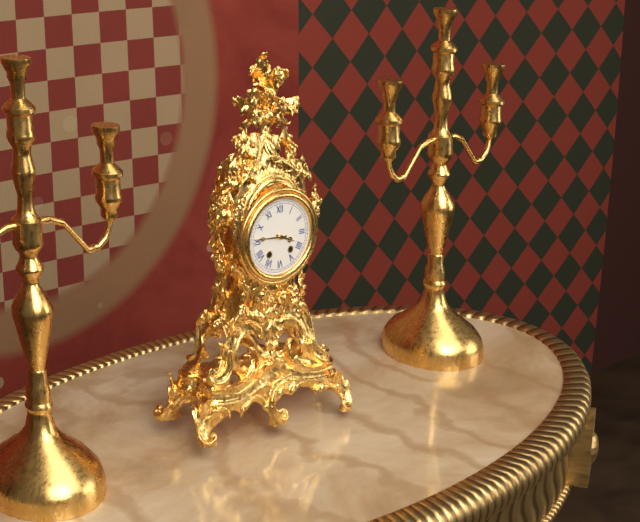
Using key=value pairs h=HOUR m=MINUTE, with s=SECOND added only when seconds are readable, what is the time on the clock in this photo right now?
h=3 m=46
